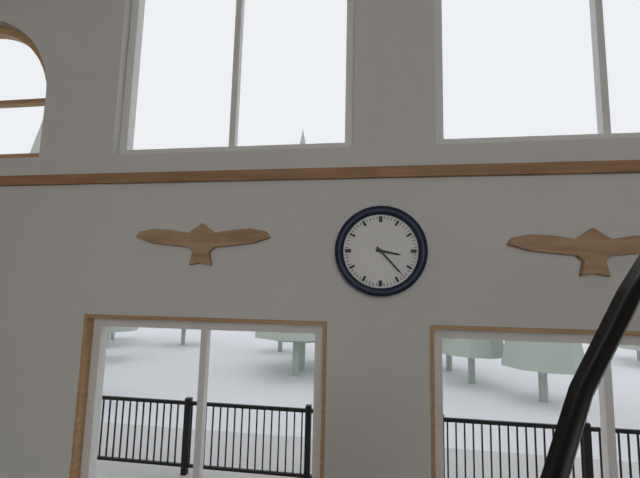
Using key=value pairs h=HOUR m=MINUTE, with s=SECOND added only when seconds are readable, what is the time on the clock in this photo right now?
h=3 m=23
